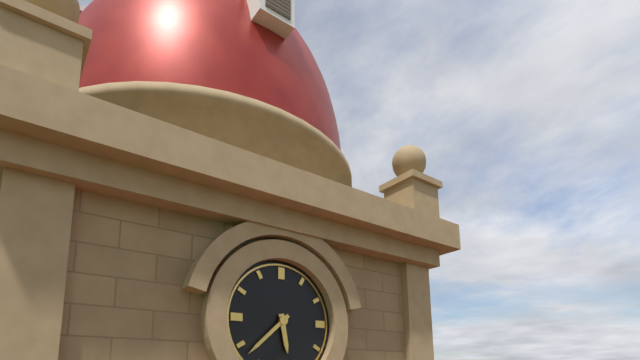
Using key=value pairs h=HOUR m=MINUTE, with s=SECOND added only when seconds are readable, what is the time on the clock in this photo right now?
h=5 m=38
